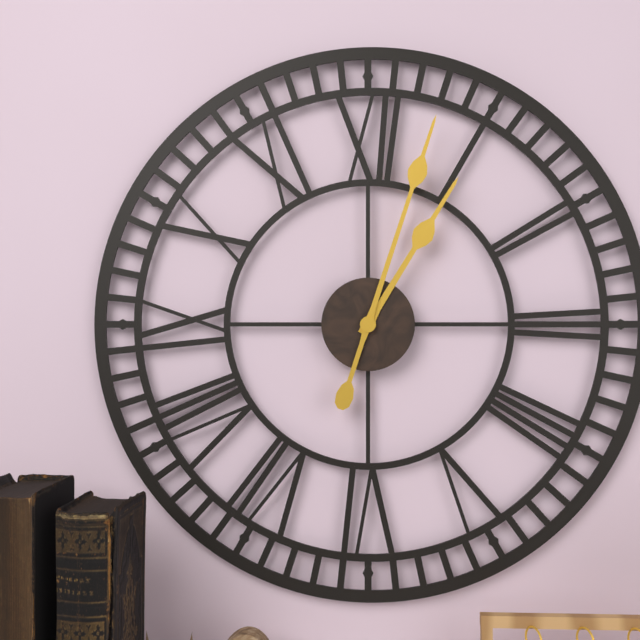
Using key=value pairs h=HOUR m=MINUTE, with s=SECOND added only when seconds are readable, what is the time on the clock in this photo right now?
h=1 m=3
